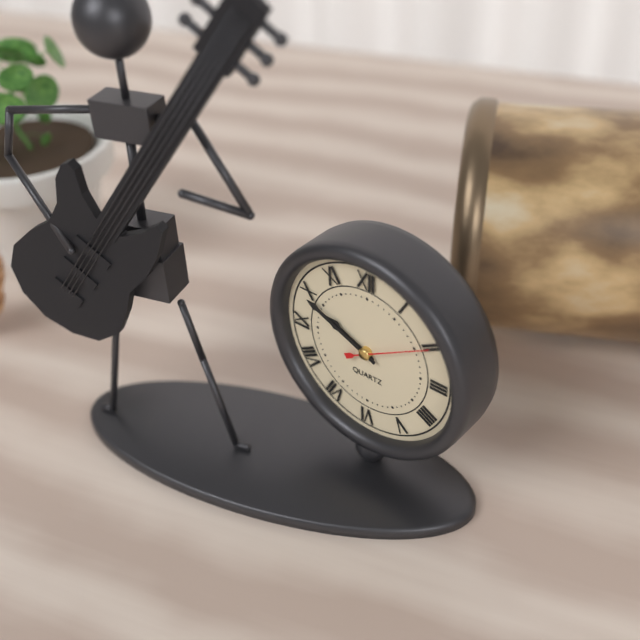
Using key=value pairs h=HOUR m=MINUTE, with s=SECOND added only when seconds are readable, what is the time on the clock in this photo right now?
h=9 m=49 s=10
